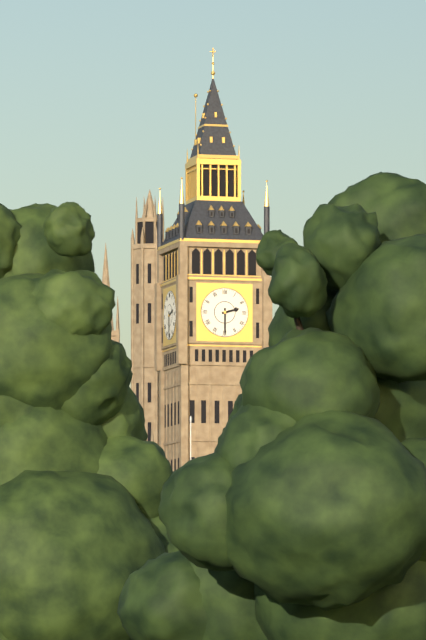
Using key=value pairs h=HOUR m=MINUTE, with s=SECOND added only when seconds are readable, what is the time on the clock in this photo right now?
h=2 m=30
